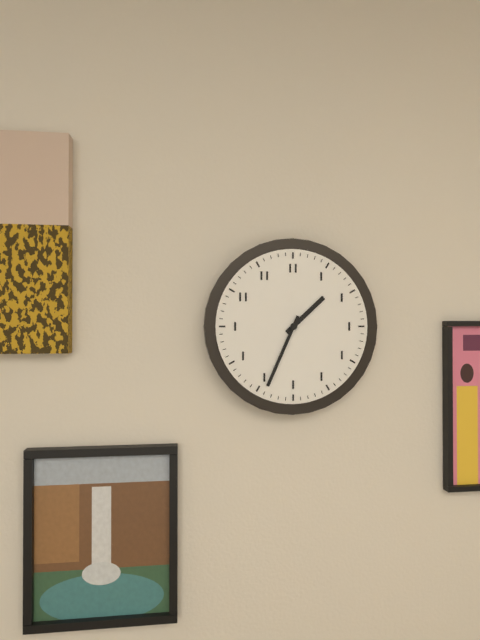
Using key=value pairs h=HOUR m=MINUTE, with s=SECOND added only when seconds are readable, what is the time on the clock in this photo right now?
h=1 m=34
